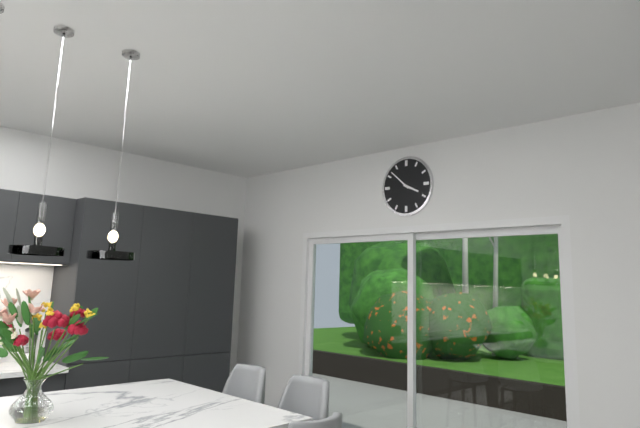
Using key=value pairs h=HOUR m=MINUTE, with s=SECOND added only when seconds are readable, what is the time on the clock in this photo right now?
h=3 m=52
